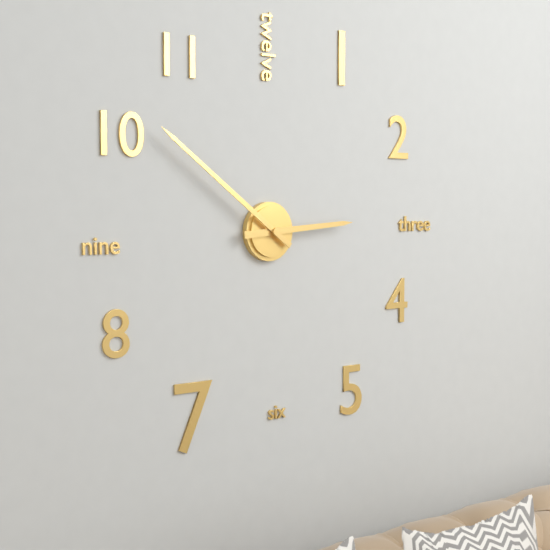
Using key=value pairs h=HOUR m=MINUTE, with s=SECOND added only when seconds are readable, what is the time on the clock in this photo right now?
h=2 m=51
